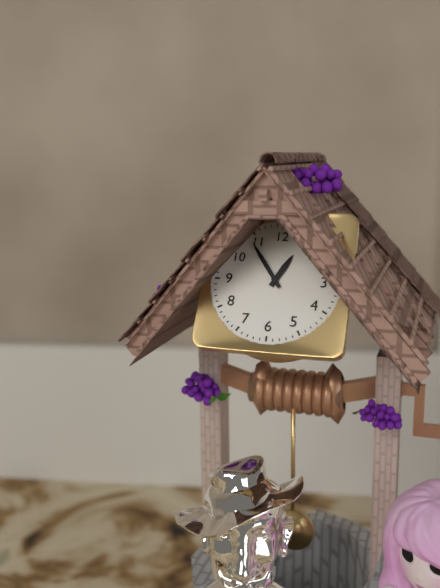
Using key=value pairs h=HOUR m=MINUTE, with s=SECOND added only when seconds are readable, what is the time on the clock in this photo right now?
h=12 m=54
